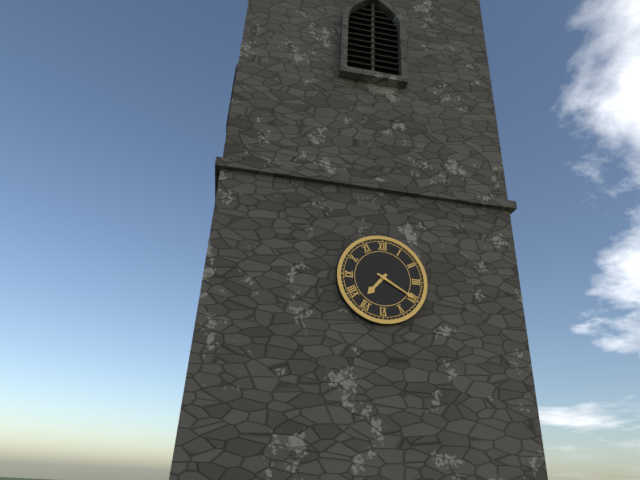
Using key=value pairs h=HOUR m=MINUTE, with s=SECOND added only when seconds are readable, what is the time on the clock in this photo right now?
h=7 m=20
